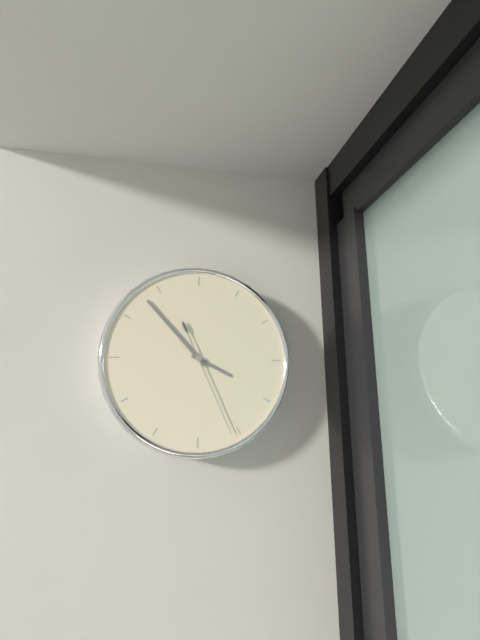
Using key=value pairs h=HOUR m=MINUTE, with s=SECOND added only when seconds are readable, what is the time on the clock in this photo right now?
h=3 m=53 s=26
